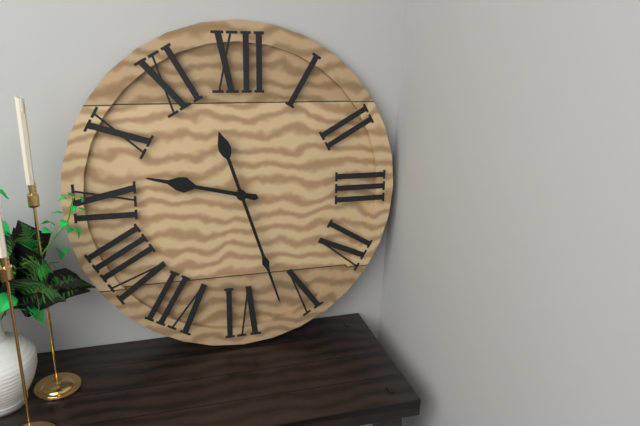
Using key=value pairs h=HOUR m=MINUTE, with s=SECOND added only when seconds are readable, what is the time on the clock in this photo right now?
h=9 m=27
